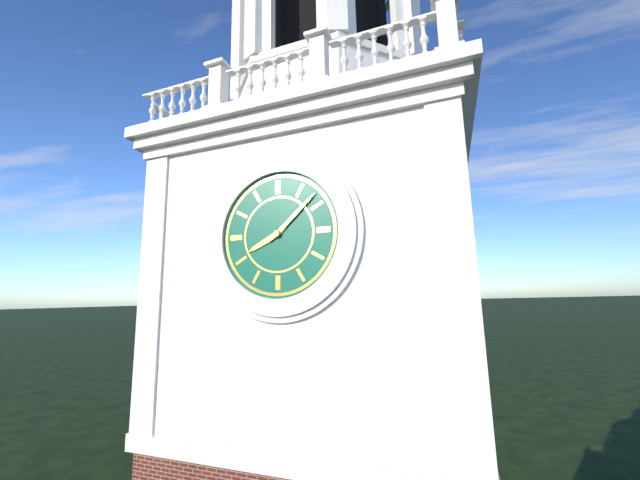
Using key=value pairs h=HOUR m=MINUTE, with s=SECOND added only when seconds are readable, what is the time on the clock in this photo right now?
h=8 m=8
